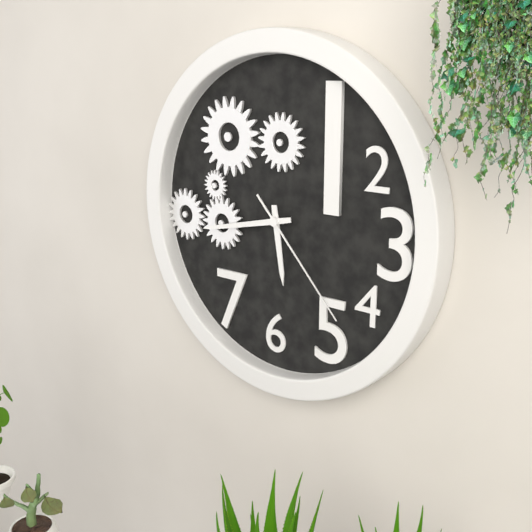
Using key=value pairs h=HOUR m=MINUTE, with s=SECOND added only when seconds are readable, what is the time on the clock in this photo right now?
h=5 m=43 s=23
